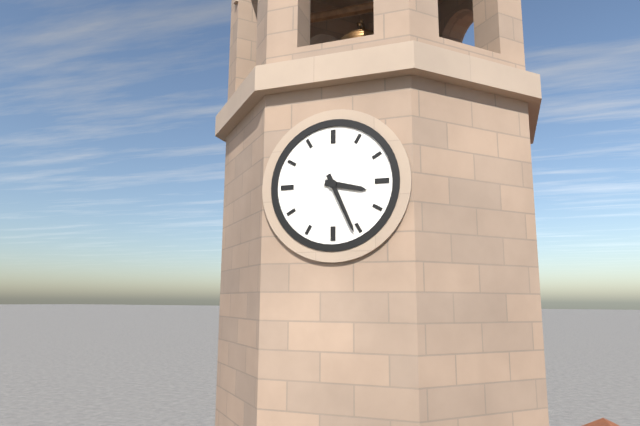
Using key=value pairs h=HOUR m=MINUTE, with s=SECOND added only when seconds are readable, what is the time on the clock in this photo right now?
h=3 m=26
